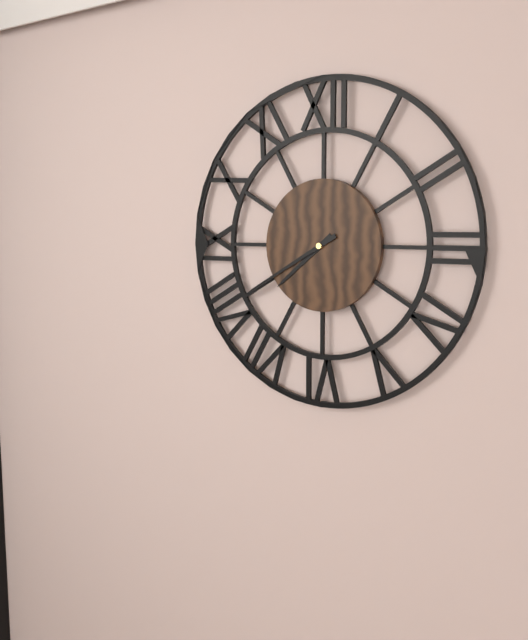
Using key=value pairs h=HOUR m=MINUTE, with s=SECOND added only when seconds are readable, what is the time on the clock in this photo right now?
h=7 m=40
